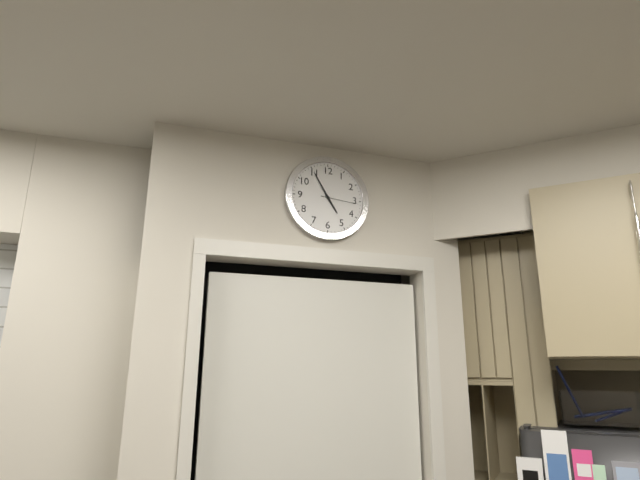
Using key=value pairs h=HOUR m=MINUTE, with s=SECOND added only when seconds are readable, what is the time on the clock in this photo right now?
h=4 m=55
